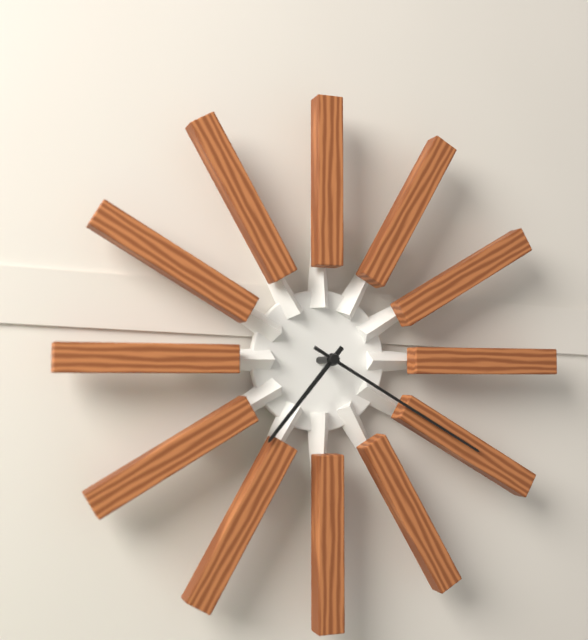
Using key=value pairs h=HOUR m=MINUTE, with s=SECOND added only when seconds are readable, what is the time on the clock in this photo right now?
h=7 m=20
